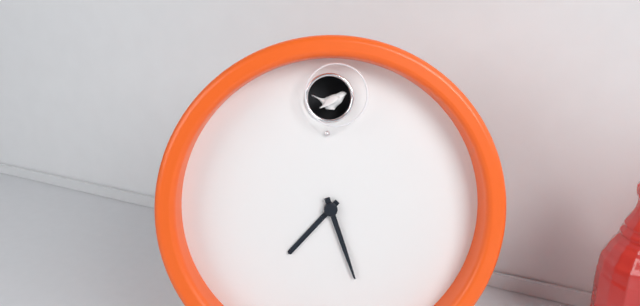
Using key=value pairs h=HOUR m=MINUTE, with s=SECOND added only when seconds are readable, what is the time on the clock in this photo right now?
h=7 m=27
